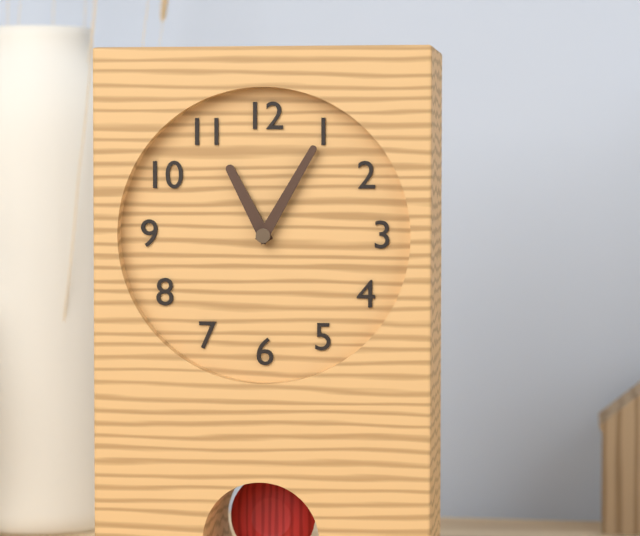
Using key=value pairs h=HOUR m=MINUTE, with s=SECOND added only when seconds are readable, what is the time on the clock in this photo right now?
h=11 m=5
